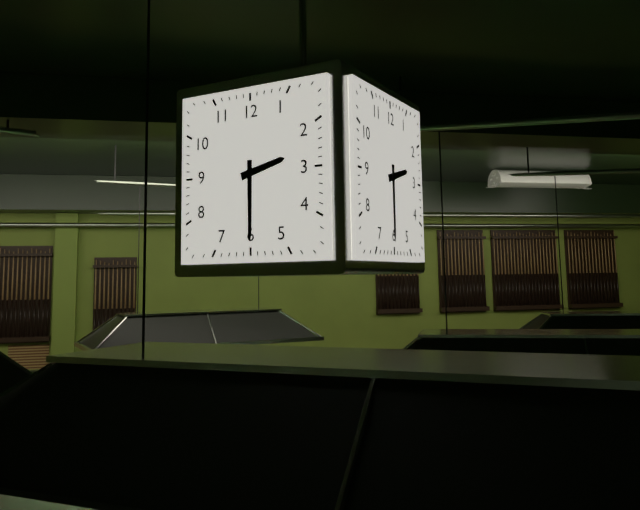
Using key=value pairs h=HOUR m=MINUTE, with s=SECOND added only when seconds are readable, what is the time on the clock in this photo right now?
h=2 m=30
